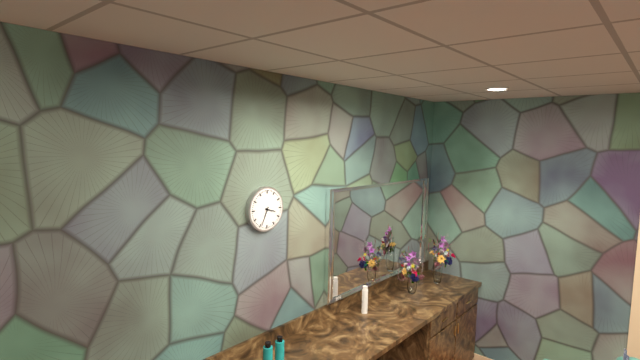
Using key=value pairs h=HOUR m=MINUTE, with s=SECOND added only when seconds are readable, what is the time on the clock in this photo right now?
h=3 m=34
